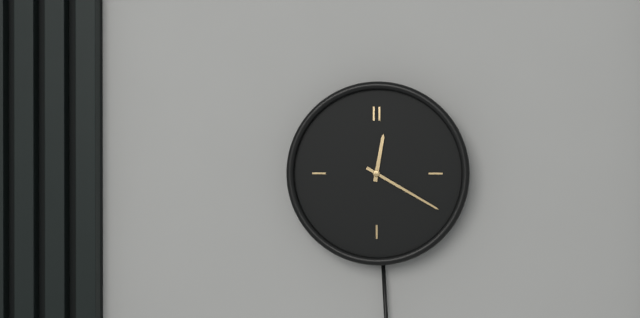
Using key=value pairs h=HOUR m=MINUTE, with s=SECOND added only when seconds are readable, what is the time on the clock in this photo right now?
h=12 m=20
